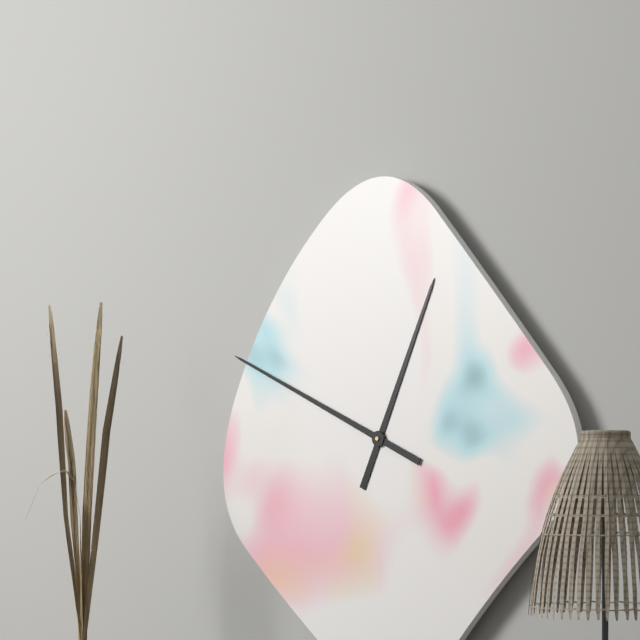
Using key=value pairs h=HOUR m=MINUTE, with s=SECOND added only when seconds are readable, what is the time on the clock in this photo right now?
h=12 m=49
